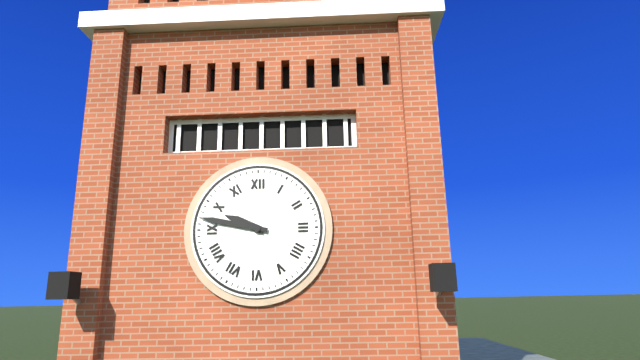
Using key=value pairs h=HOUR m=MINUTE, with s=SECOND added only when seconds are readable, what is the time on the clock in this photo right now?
h=9 m=47
